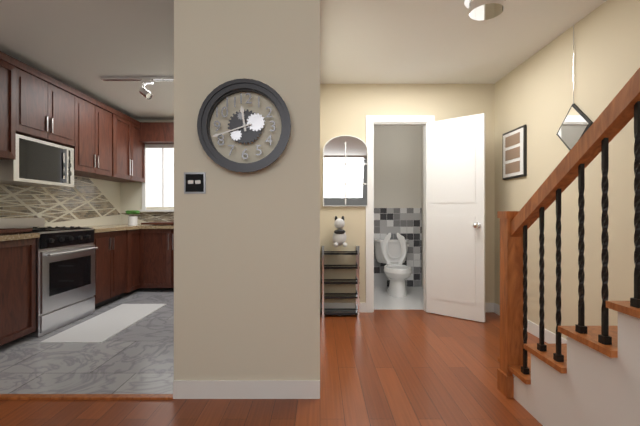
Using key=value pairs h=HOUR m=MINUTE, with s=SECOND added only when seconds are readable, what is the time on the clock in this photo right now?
h=11 m=42
